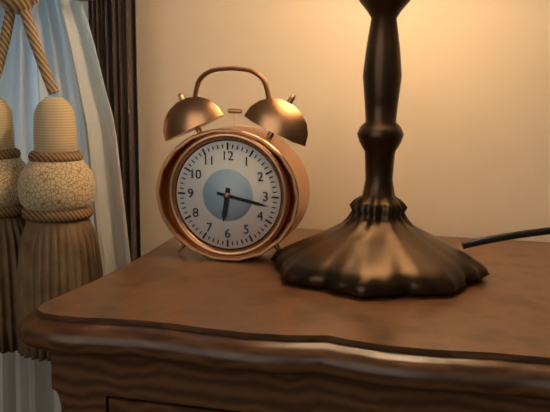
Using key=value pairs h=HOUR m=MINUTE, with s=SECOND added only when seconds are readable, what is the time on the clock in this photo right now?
h=6 m=17
